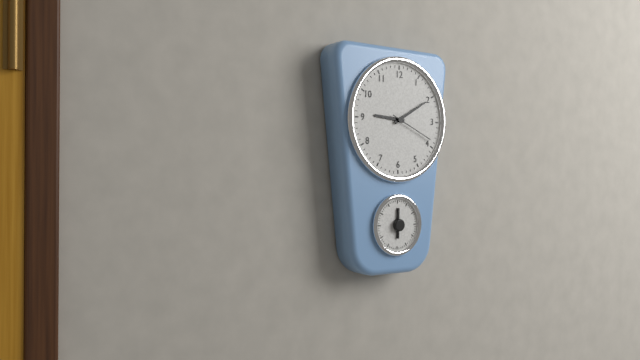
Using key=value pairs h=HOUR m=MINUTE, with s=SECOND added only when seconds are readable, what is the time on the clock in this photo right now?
h=9 m=10
